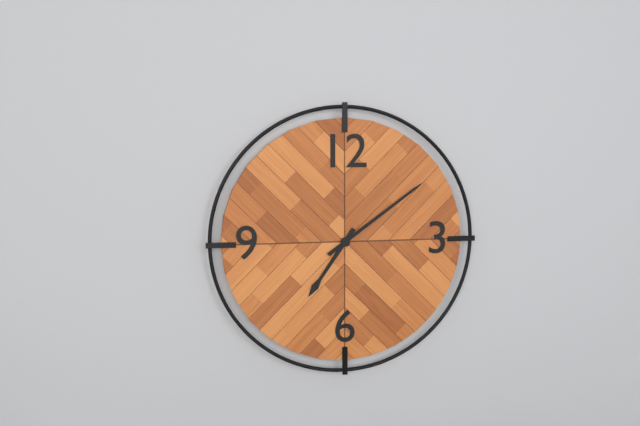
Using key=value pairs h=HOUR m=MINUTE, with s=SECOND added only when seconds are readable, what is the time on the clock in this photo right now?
h=7 m=9
